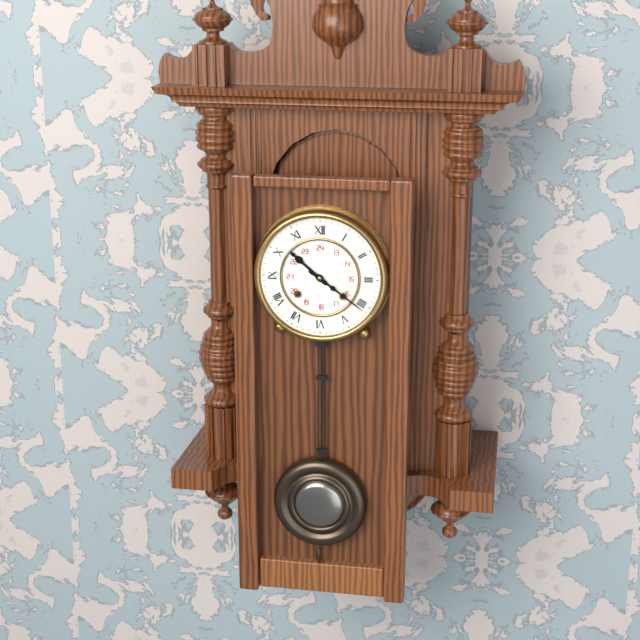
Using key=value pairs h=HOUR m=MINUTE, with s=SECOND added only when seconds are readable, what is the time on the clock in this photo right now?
h=10 m=21
